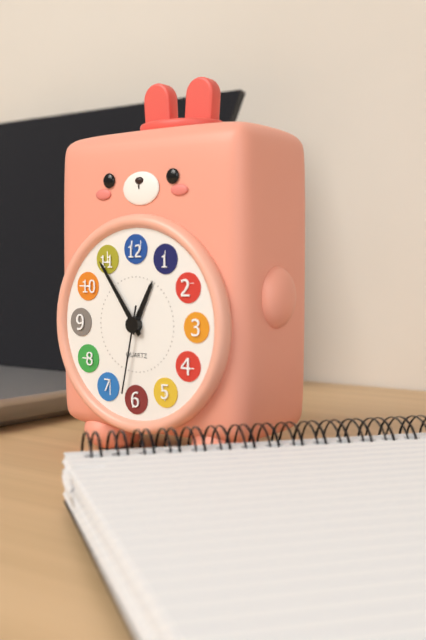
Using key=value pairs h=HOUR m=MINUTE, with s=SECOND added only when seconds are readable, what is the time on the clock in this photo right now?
h=12 m=54 s=32
